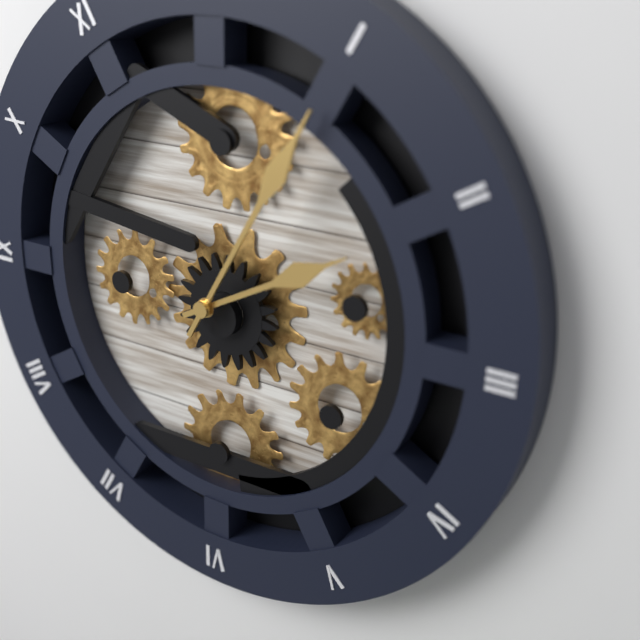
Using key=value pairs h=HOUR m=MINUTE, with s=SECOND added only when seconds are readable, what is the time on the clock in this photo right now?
h=2 m=5
